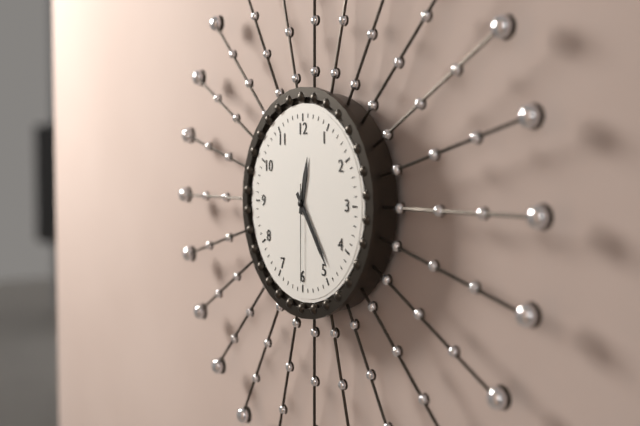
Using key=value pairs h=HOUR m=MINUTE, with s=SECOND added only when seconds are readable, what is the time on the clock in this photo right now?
h=12 m=24 s=30
